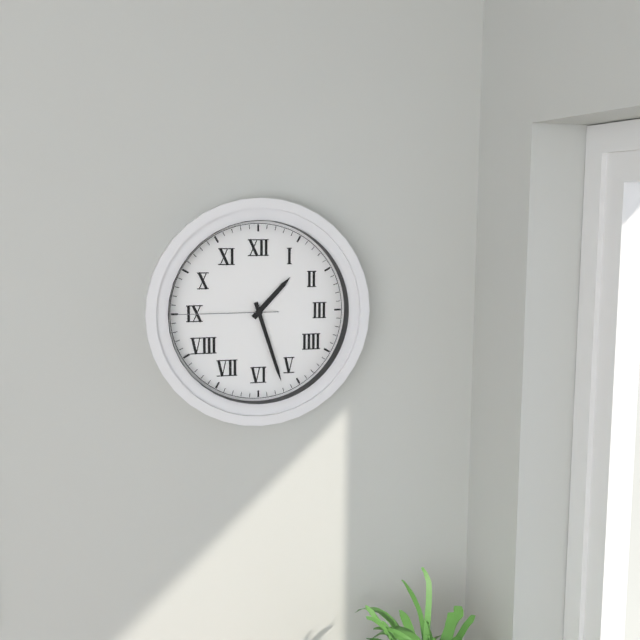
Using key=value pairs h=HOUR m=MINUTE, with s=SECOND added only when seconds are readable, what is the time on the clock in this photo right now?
h=1 m=27 s=45
